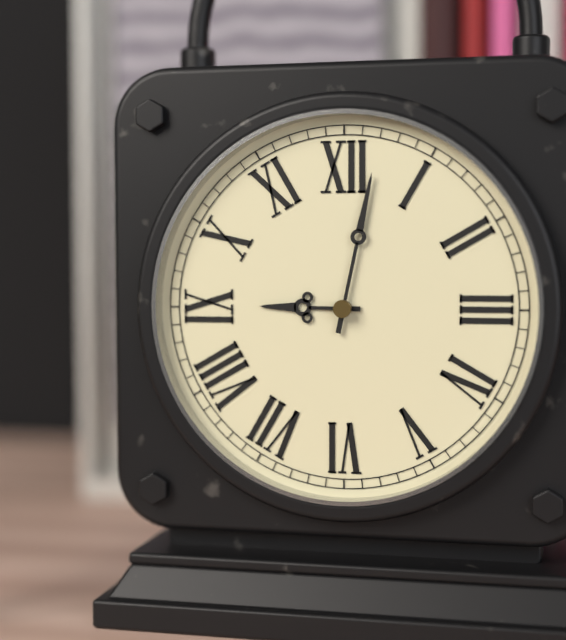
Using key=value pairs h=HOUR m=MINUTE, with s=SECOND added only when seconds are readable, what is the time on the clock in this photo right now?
h=9 m=2
